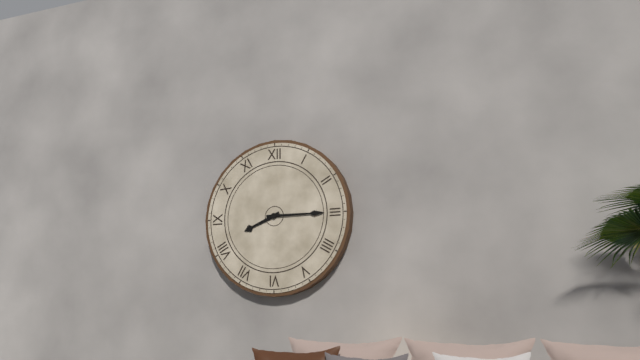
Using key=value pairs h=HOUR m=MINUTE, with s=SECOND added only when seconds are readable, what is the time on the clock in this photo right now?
h=8 m=15
